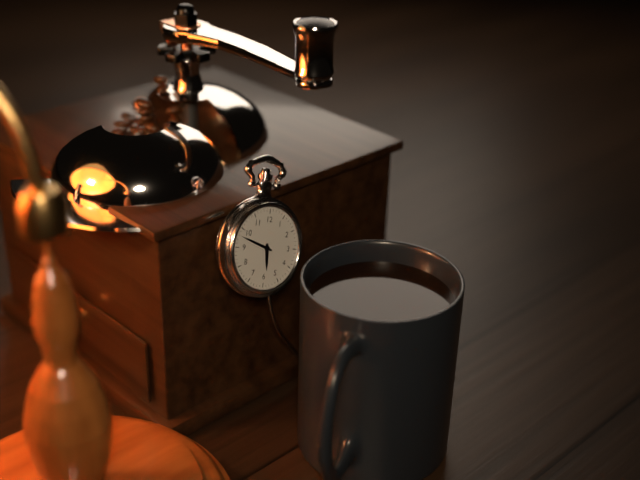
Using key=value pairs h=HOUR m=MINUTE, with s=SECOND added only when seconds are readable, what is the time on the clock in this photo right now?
h=5 m=48
